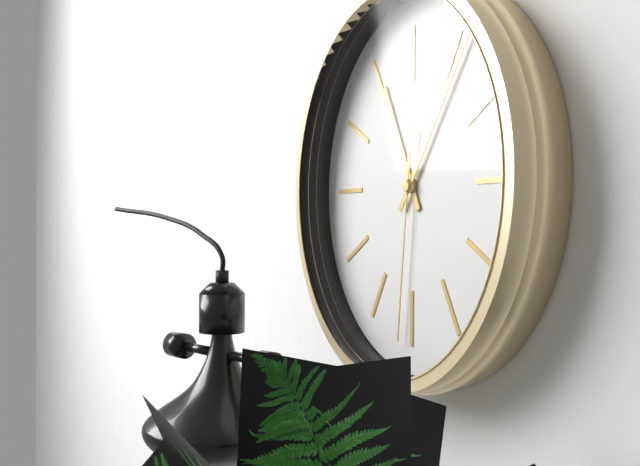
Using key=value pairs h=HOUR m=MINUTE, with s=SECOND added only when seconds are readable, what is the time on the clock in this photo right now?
h=11 m=6 s=31
